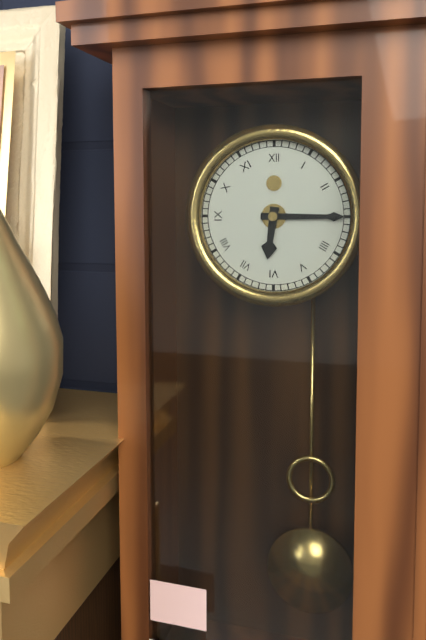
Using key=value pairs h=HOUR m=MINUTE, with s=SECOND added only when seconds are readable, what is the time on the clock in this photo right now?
h=6 m=15
